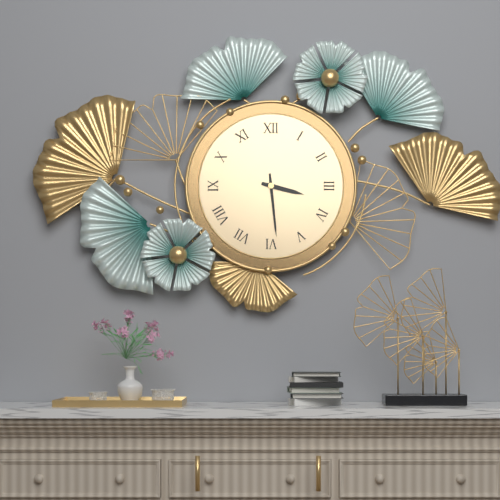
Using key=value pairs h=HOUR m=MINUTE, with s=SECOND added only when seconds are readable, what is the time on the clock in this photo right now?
h=3 m=29
